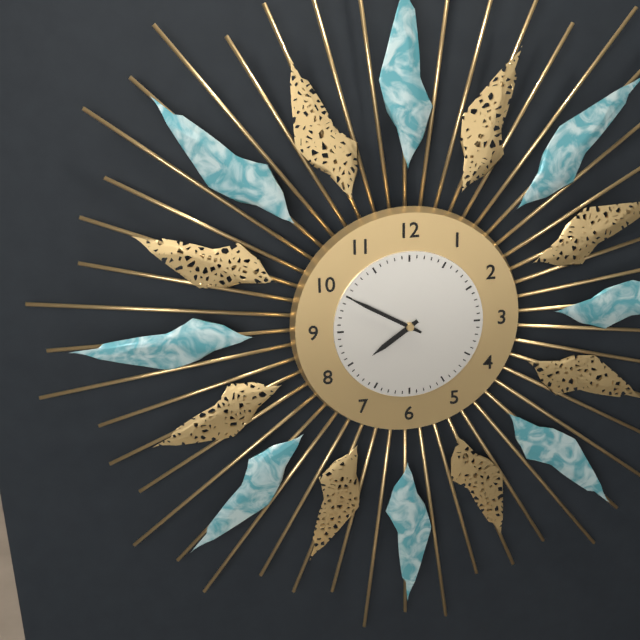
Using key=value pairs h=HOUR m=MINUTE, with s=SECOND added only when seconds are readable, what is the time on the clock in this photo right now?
h=7 m=50
